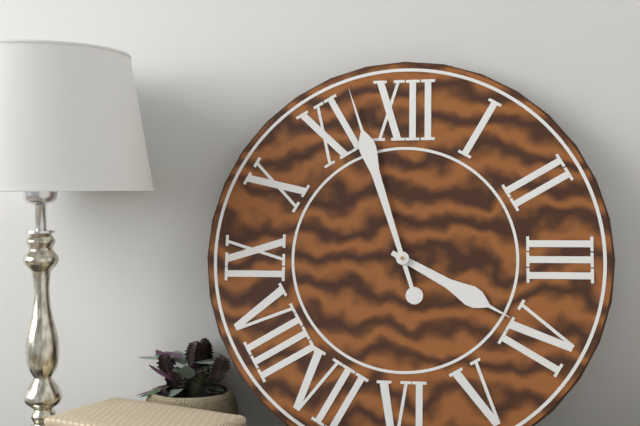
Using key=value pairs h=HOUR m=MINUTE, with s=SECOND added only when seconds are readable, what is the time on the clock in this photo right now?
h=3 m=57
